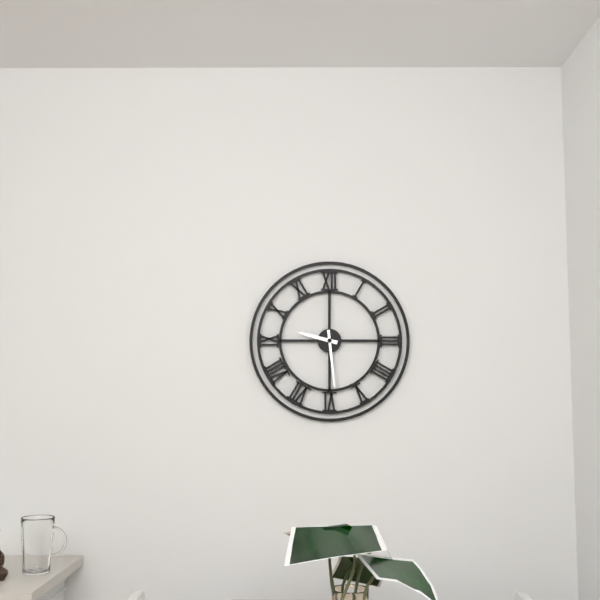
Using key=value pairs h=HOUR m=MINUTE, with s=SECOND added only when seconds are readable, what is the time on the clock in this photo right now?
h=9 m=29
